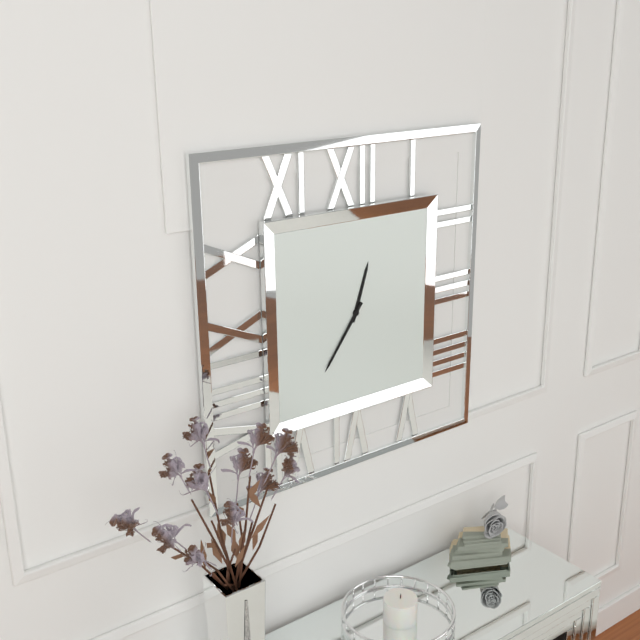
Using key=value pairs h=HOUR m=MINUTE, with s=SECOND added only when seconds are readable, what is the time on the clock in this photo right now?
h=12 m=36
